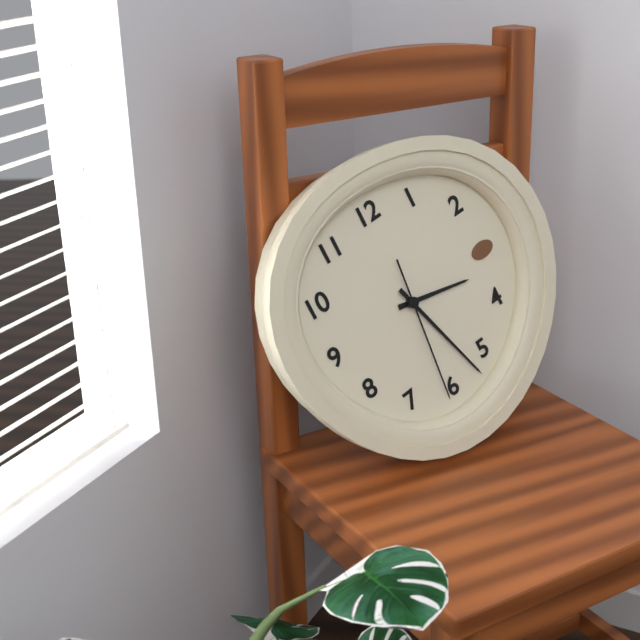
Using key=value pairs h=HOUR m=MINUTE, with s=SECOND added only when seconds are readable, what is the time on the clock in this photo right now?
h=3 m=27 s=31
